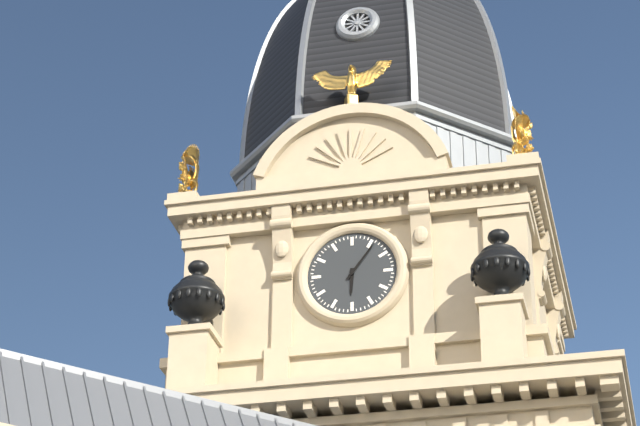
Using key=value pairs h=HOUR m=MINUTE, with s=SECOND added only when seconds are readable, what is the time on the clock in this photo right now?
h=6 m=6
